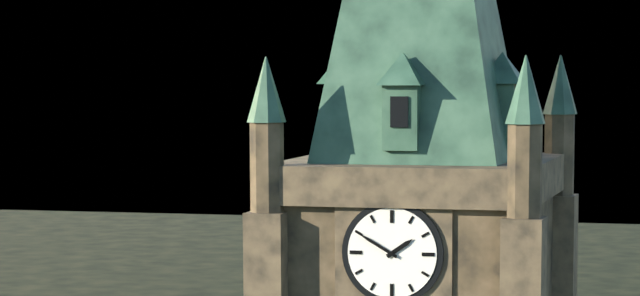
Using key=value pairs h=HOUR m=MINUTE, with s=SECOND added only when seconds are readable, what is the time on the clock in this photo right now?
h=1 m=50
